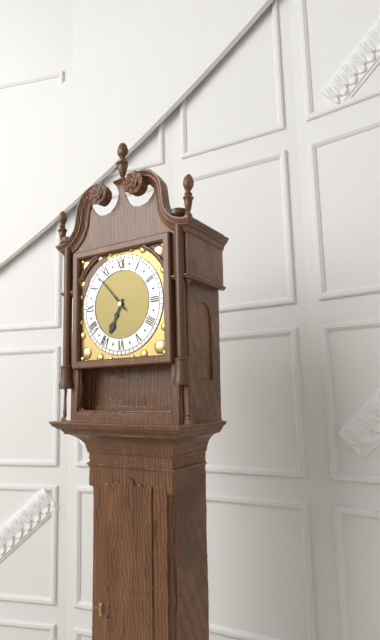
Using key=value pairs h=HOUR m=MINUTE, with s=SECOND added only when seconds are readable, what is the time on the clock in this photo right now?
h=6 m=53
